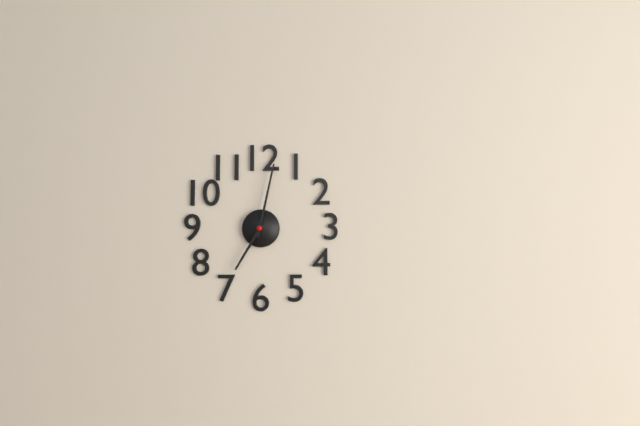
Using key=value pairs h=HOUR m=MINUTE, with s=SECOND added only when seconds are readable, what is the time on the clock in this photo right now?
h=7 m=2
